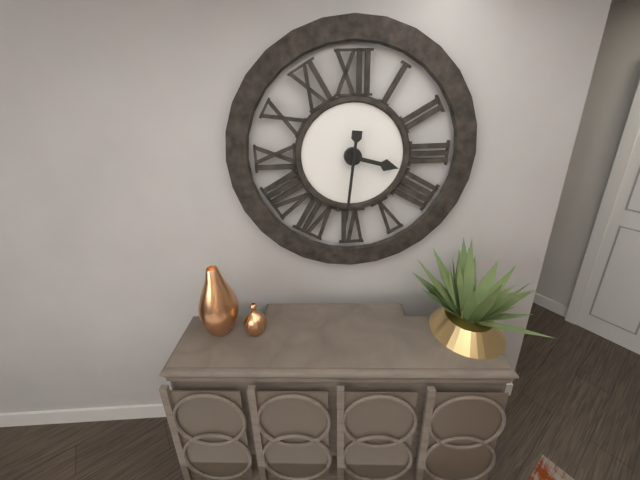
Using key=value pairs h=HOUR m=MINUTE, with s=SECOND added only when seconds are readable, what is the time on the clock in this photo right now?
h=3 m=31
